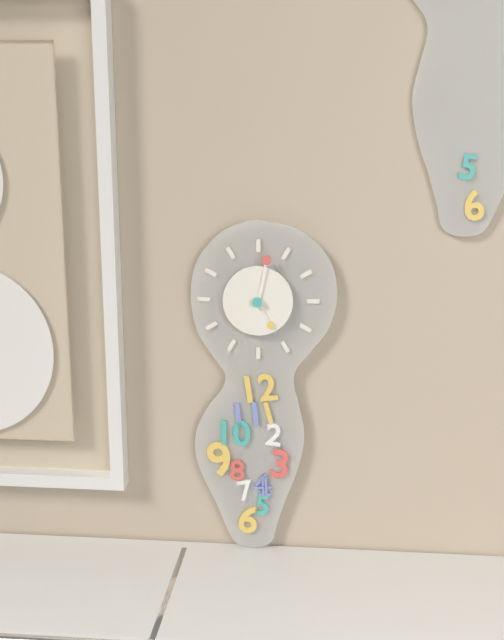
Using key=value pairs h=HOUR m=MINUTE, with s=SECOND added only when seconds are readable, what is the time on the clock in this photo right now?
h=5 m=2
